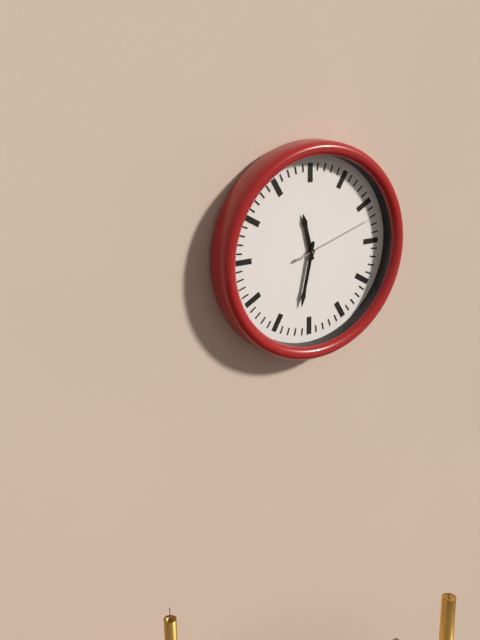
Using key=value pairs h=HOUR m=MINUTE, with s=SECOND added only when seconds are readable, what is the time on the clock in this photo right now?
h=11 m=32 s=12
